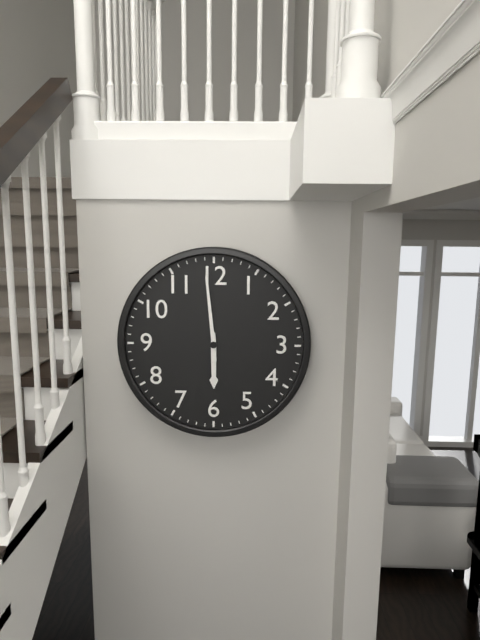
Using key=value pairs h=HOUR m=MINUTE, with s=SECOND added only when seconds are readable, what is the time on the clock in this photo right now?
h=5 m=59
